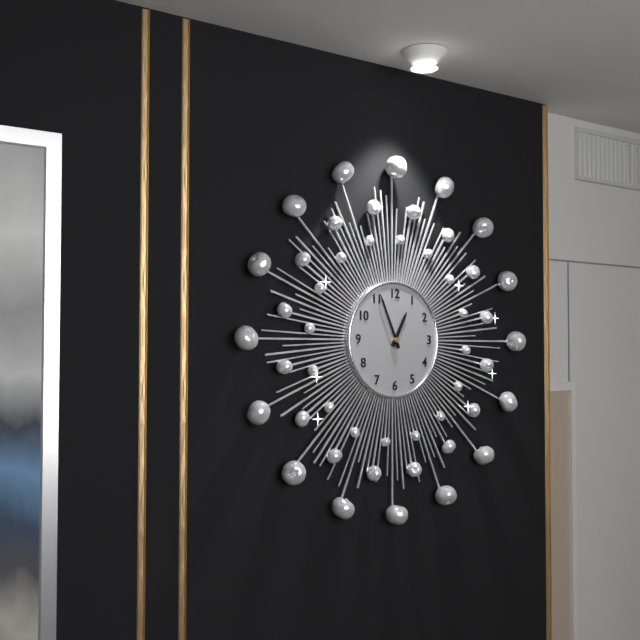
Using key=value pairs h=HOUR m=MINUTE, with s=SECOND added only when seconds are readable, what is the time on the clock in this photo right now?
h=12 m=56
